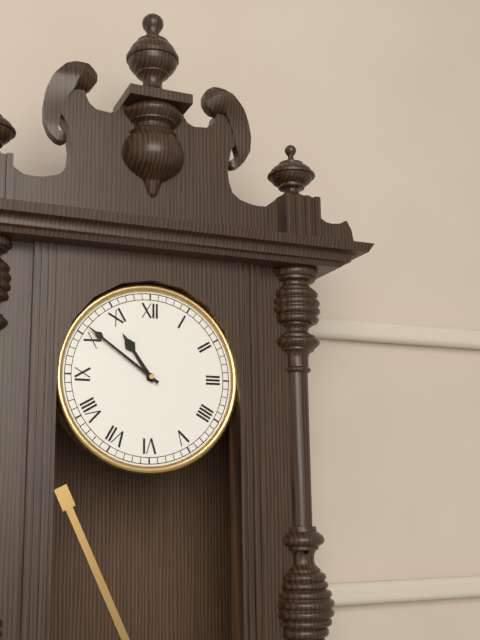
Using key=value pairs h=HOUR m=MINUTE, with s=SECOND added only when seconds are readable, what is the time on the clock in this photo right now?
h=10 m=51
